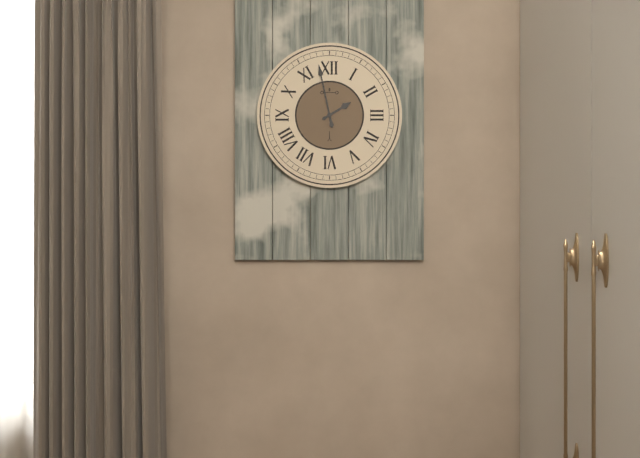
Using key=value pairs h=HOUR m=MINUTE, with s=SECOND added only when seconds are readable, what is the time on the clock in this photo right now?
h=1 m=58
